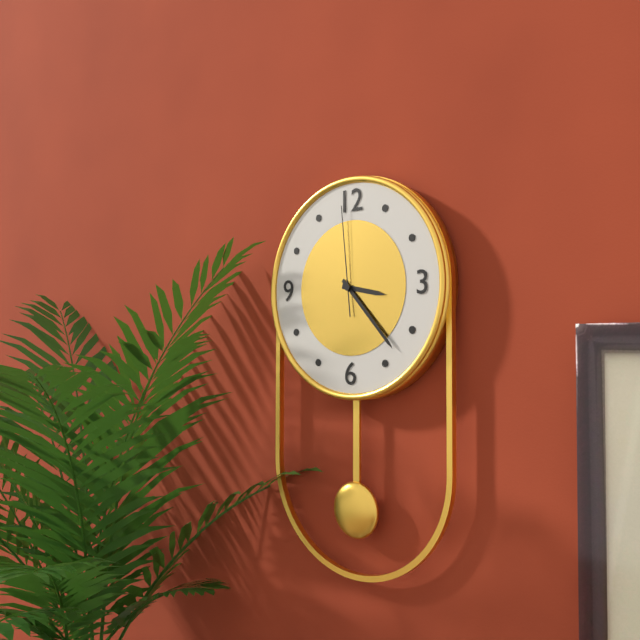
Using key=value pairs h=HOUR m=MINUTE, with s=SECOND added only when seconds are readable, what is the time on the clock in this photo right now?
h=3 m=23 s=59
